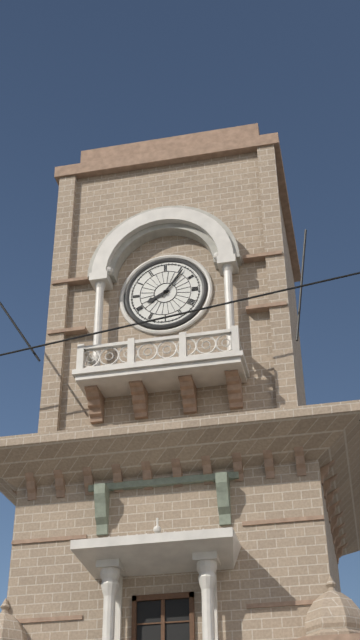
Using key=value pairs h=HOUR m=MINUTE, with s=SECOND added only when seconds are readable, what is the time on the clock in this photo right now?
h=8 m=6
